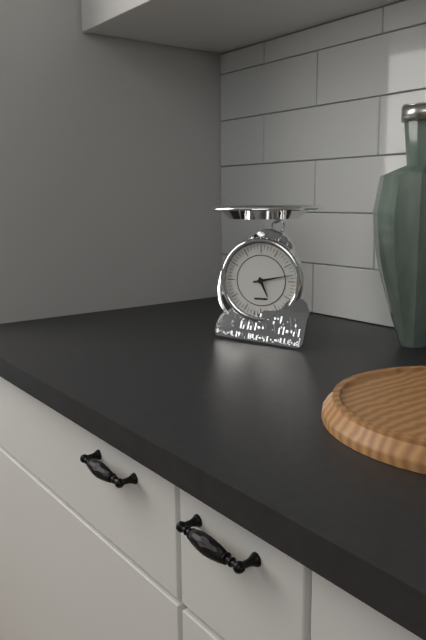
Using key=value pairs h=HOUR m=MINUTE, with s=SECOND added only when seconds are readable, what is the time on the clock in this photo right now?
h=5 m=13
